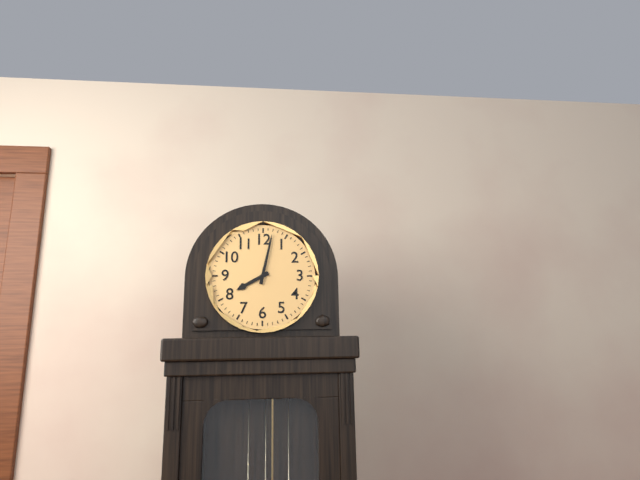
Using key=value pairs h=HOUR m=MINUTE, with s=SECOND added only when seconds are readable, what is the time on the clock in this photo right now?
h=8 m=2
